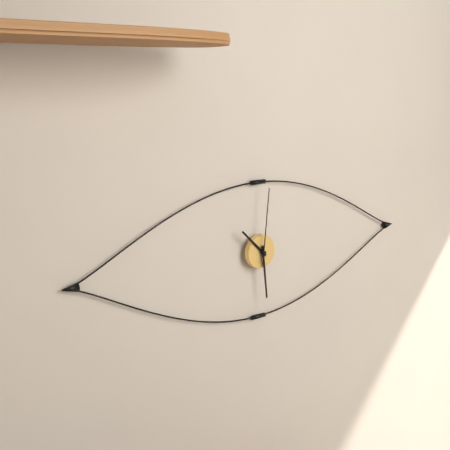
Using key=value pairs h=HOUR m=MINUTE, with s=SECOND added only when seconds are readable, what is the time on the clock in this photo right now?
h=10 m=29 s=1
